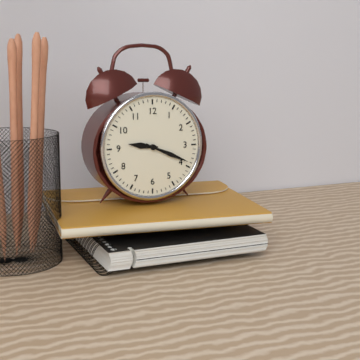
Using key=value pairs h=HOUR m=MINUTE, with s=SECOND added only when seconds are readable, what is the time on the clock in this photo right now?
h=9 m=19
